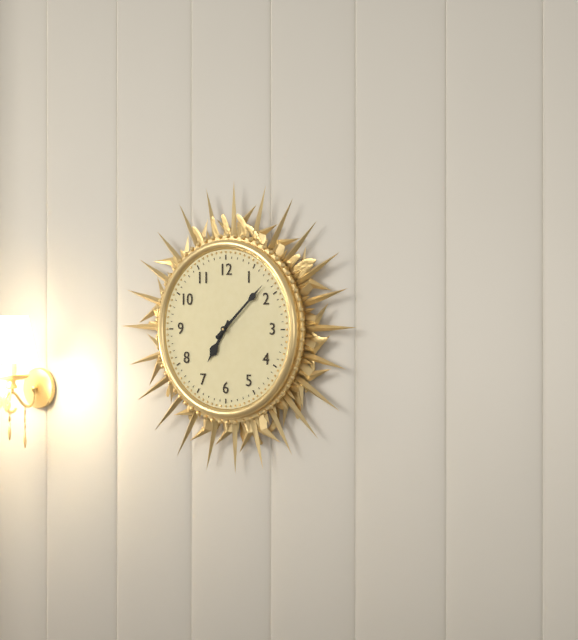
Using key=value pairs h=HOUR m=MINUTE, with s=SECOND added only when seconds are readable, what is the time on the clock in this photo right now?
h=7 m=8
